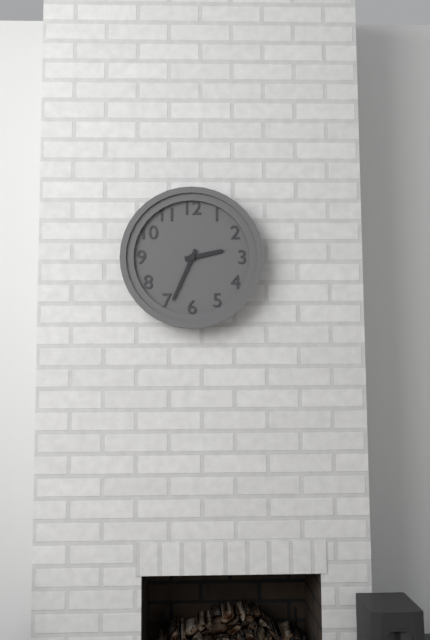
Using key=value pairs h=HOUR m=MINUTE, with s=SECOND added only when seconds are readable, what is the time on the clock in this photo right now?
h=2 m=34
